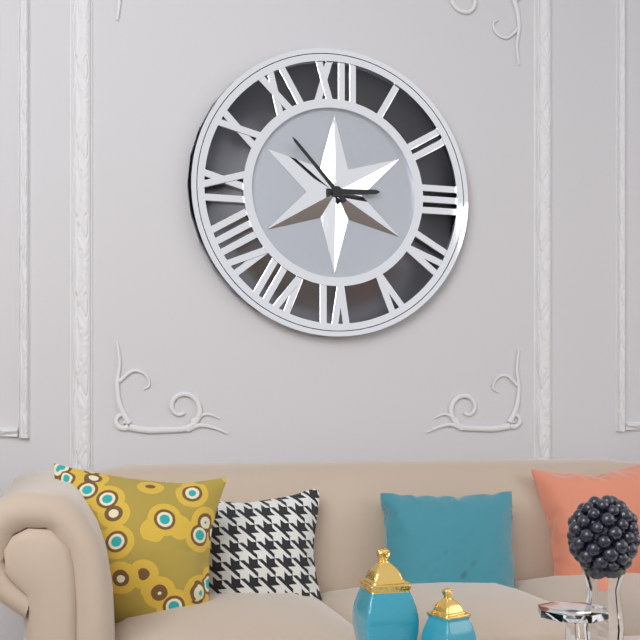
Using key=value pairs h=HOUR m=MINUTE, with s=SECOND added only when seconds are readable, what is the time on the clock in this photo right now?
h=2 m=53
